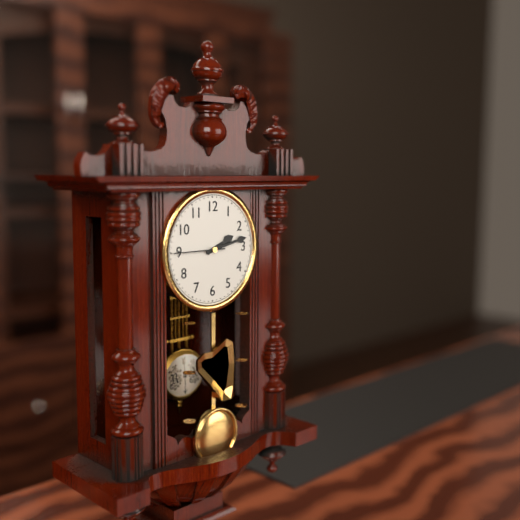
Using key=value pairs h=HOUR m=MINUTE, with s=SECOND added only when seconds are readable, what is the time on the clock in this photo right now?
h=2 m=13 s=45
